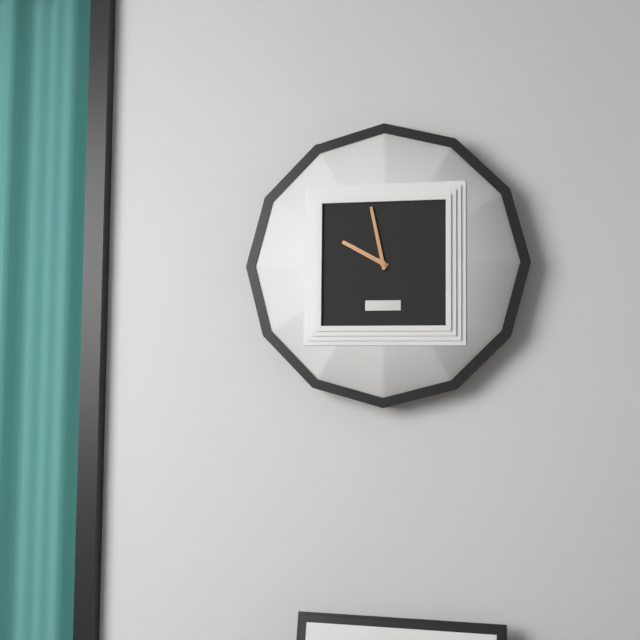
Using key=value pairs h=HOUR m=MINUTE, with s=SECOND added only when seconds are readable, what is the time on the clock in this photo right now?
h=9 m=58
